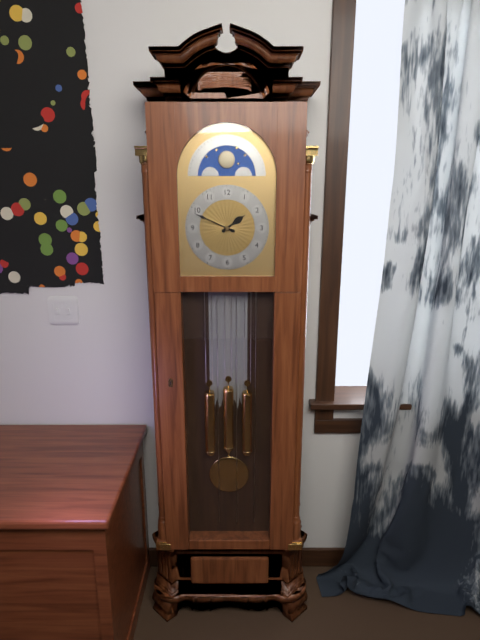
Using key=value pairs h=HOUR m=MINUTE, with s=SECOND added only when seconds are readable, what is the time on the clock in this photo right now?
h=1 m=49
